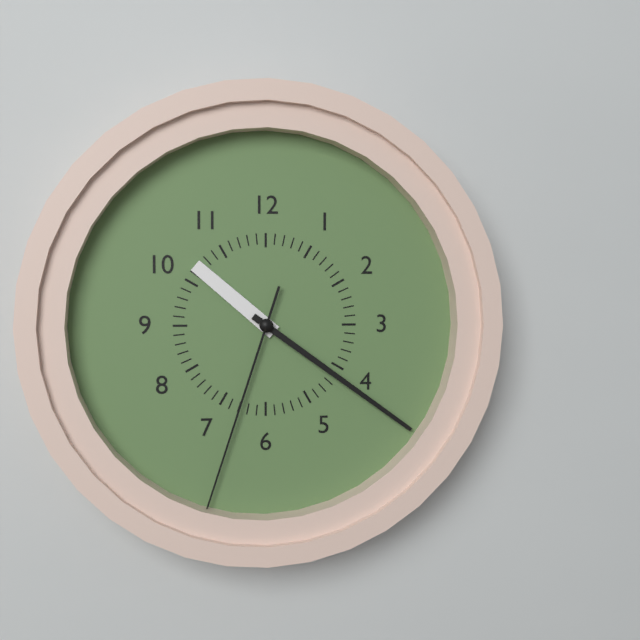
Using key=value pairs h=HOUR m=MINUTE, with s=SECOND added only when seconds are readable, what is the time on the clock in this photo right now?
h=10 m=21 s=33
